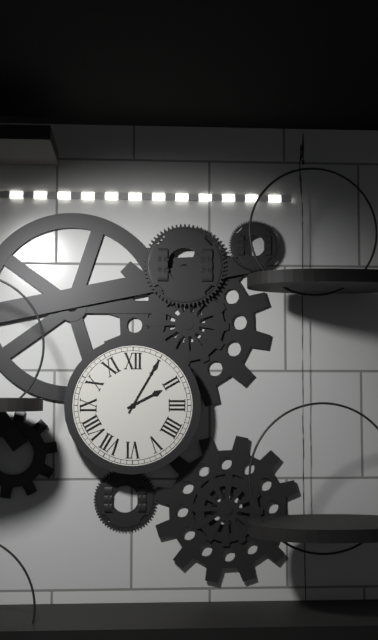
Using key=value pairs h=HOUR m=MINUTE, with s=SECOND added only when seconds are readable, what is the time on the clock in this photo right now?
h=2 m=5
